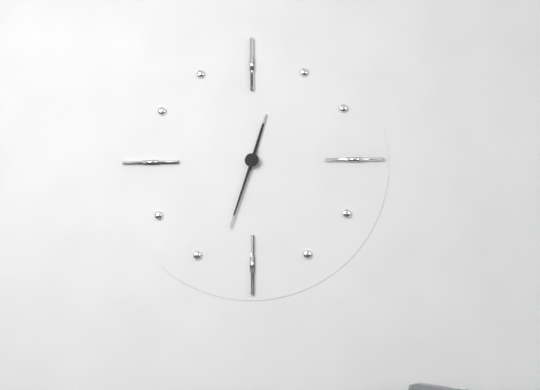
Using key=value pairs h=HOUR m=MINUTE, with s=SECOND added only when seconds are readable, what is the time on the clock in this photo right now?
h=12 m=33
